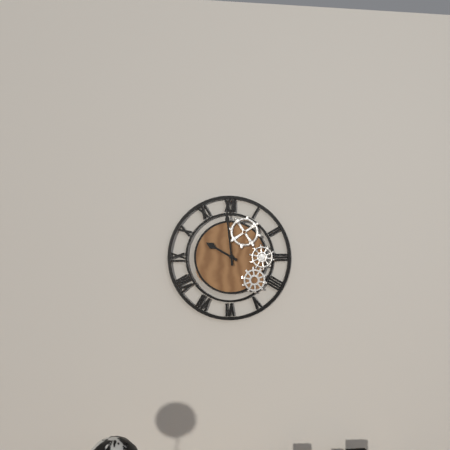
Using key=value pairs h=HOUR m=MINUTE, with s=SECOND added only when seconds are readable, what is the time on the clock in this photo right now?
h=9 m=59
